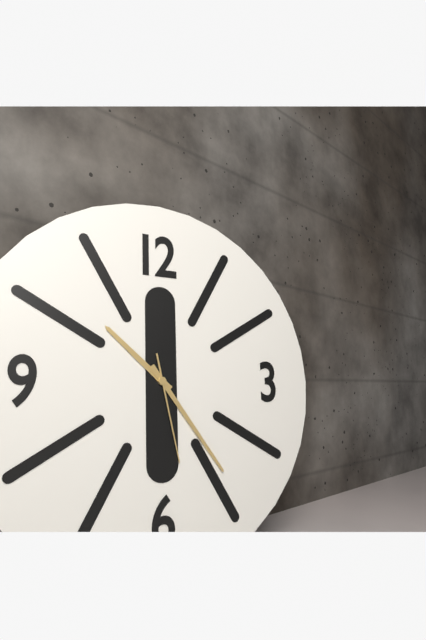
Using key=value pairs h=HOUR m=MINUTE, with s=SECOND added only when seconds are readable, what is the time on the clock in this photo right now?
h=10 m=24 s=28
